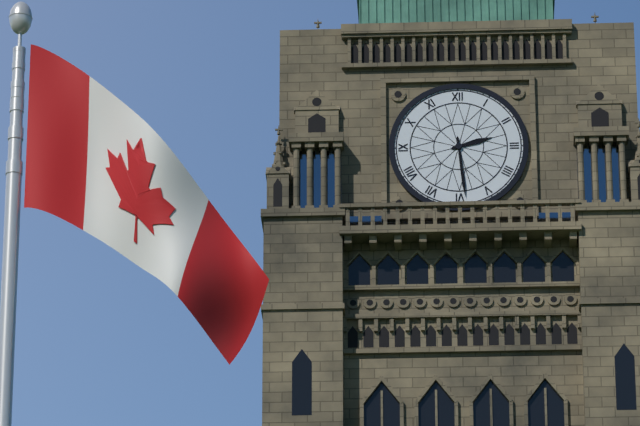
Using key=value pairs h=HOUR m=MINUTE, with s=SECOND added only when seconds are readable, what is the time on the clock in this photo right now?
h=2 m=29
